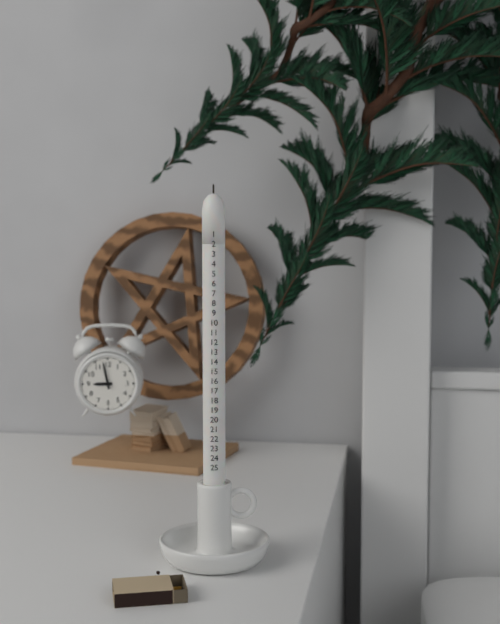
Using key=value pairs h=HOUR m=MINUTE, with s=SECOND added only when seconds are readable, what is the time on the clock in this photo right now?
h=8 m=58
